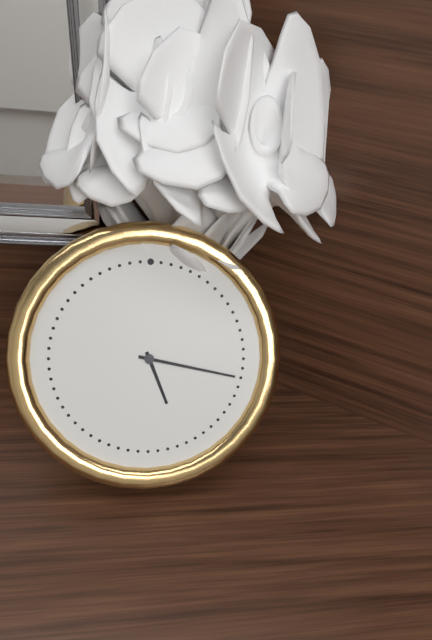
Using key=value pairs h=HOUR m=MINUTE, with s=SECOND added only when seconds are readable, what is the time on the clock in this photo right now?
h=5 m=17
